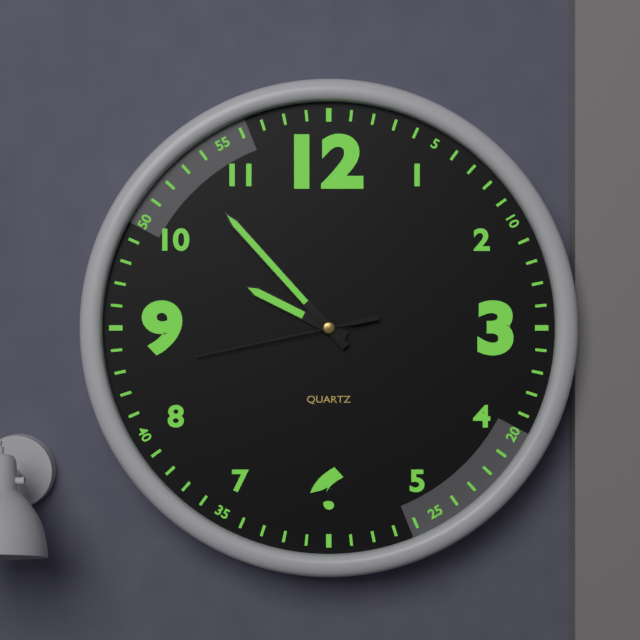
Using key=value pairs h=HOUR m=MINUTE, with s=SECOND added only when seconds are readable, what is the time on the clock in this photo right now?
h=9 m=53 s=43
